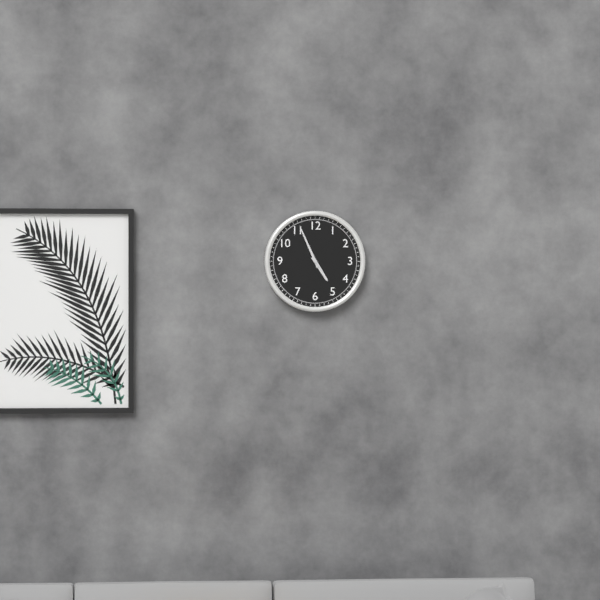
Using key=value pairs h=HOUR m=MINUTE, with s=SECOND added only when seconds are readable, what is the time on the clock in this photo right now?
h=4 m=56
